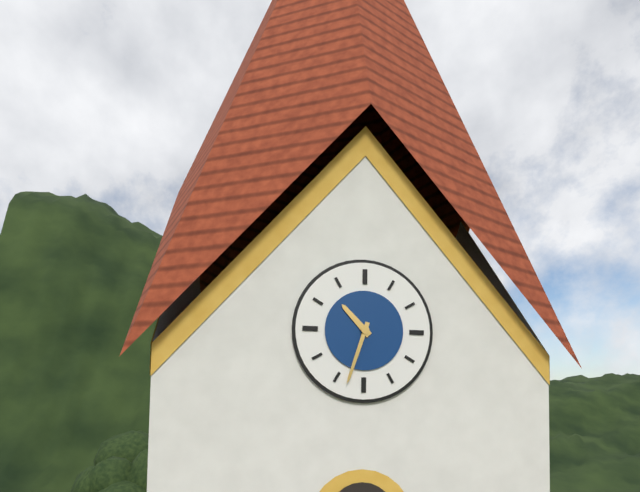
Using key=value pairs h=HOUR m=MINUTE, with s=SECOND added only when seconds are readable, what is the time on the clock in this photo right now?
h=10 m=33
